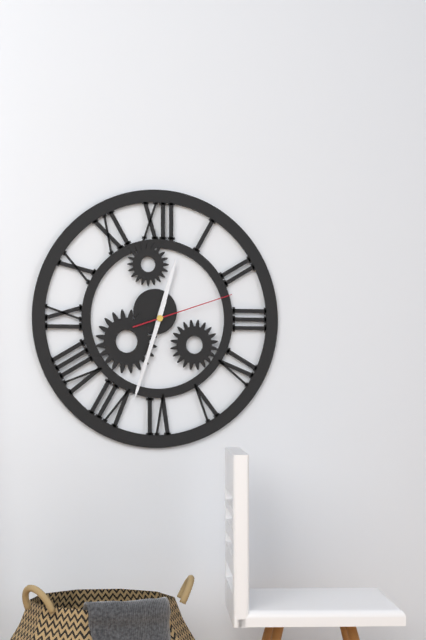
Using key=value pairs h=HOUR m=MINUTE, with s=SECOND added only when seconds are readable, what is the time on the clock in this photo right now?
h=12 m=33 s=12
